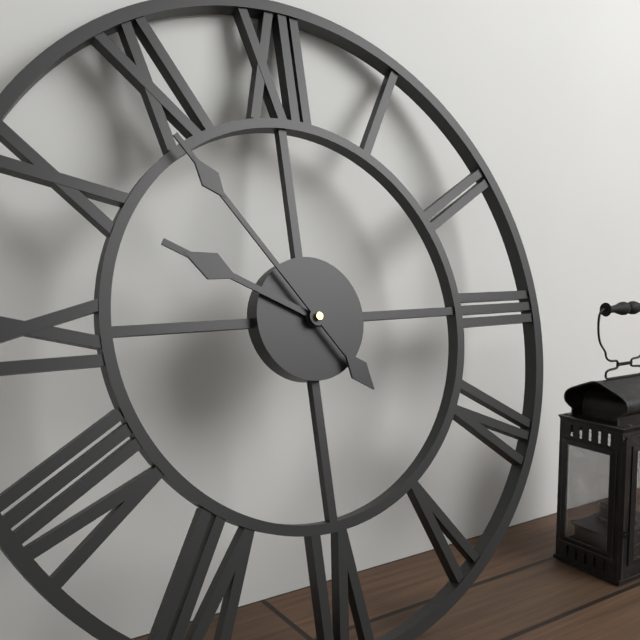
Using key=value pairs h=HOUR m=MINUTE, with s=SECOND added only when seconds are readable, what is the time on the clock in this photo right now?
h=9 m=54
